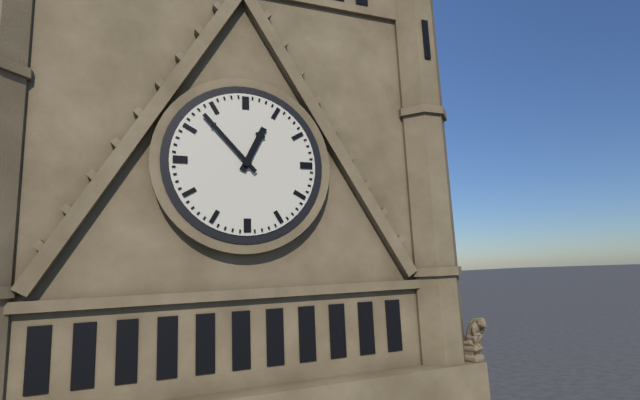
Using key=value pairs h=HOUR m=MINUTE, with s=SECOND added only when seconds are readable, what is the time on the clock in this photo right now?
h=12 m=53
